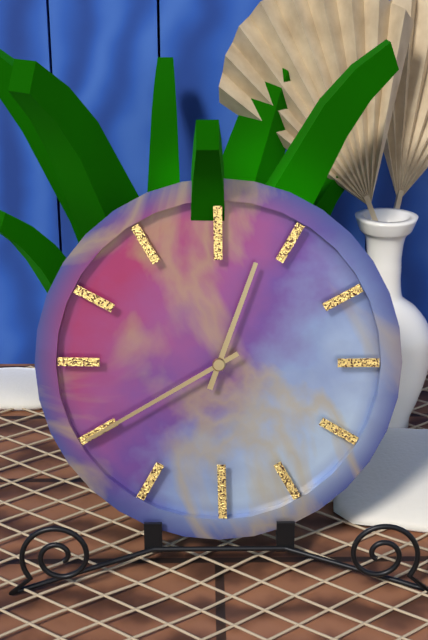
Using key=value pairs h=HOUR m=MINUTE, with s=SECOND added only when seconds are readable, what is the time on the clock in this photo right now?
h=12 m=40
